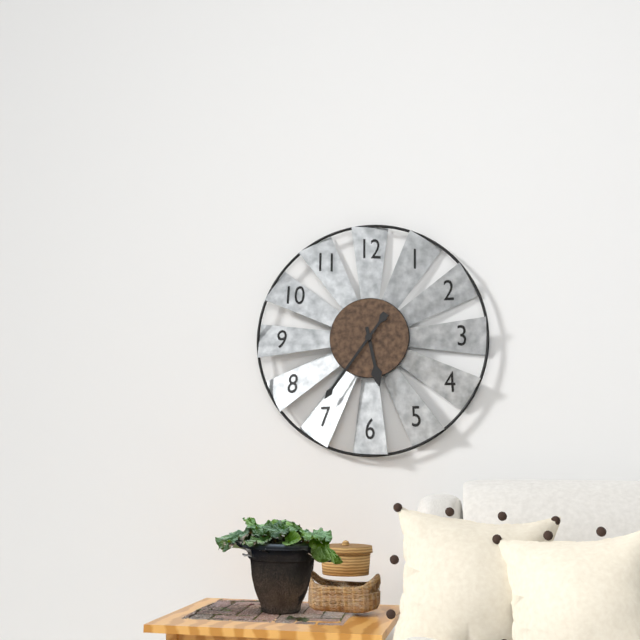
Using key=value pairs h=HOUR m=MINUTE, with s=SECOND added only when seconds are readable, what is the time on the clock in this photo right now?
h=5 m=36
